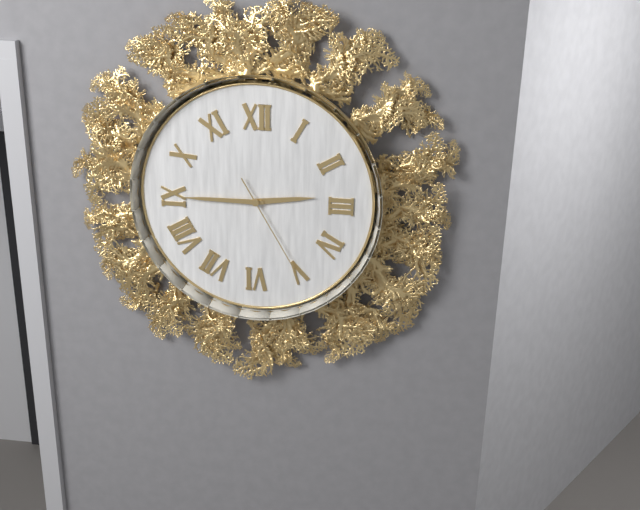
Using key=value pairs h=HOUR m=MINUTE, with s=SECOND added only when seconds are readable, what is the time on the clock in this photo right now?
h=2 m=45 s=25
